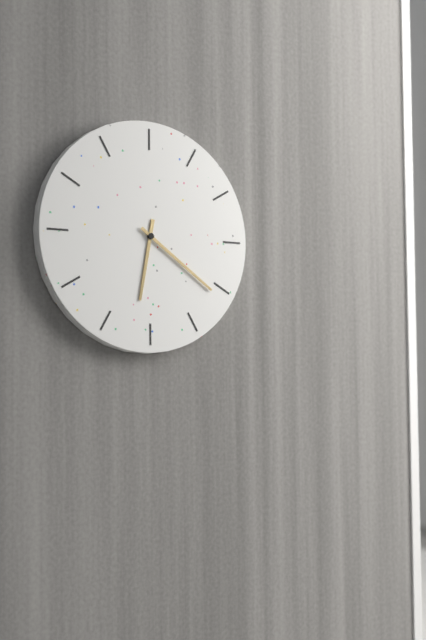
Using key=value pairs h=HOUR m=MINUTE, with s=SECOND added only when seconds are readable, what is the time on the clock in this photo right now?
h=6 m=21
